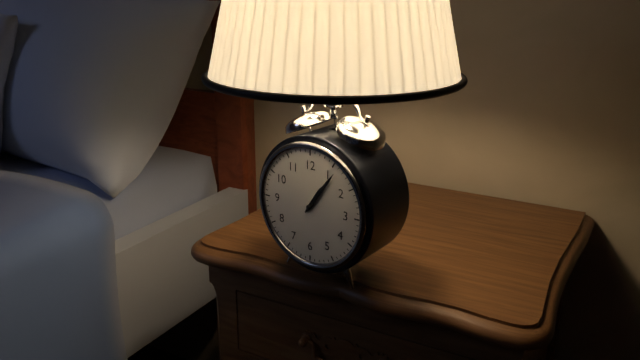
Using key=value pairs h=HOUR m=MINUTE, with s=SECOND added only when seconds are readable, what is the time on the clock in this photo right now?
h=1 m=6
